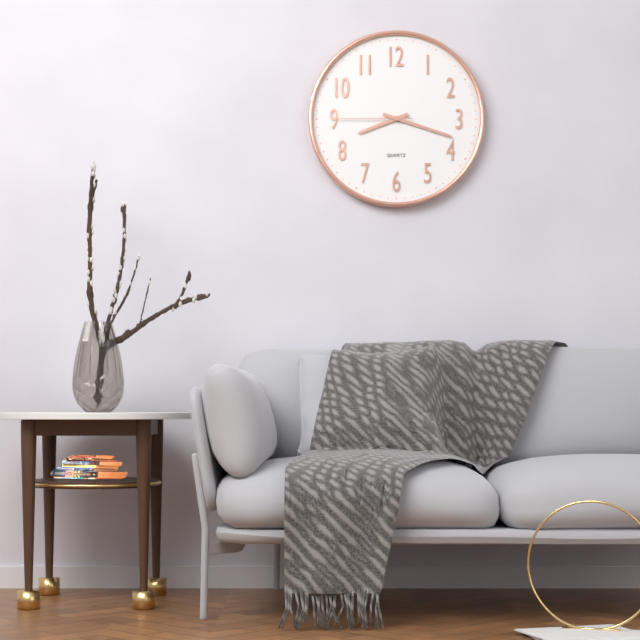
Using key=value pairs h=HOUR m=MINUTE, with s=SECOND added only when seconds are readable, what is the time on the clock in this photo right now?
h=8 m=18 s=45
